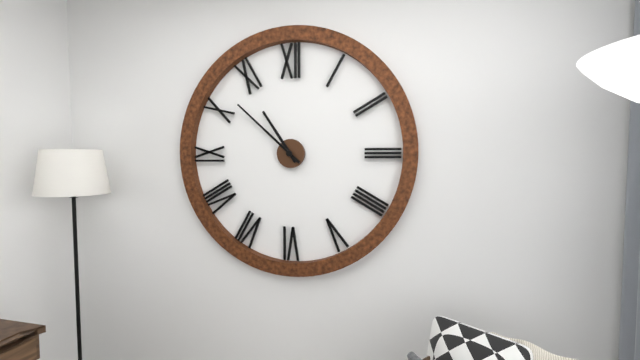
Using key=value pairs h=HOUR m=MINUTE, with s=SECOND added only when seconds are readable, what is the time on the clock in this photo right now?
h=10 m=52
